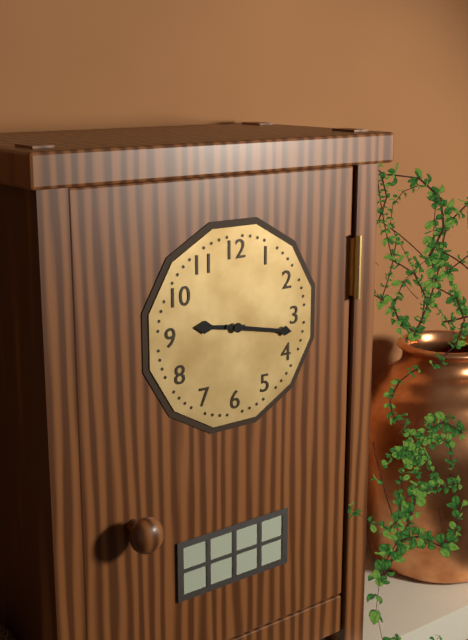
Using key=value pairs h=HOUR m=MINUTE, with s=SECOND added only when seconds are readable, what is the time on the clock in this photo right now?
h=9 m=17
